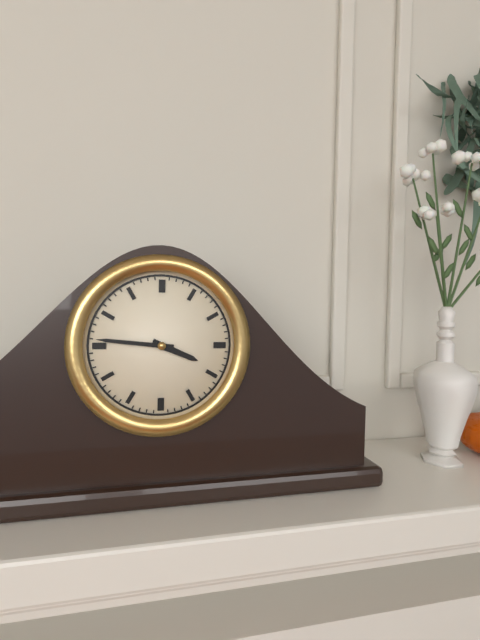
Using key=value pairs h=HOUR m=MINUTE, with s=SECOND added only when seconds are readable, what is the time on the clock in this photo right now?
h=3 m=46
